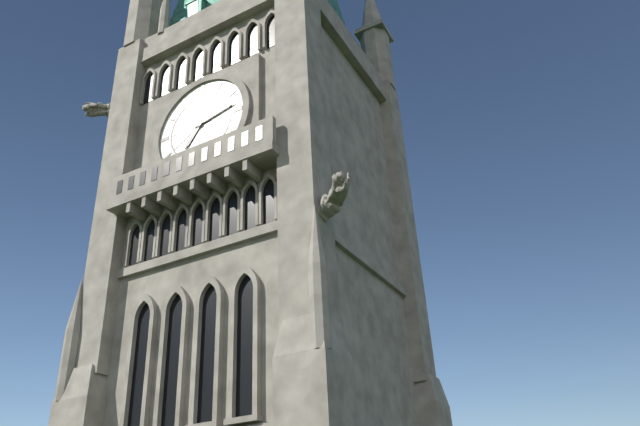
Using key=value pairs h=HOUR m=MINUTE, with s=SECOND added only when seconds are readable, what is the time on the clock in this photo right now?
h=7 m=13
